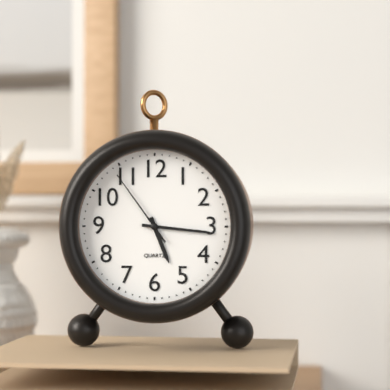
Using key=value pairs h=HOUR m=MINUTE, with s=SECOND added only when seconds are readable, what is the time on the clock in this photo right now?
h=5 m=16 s=54
